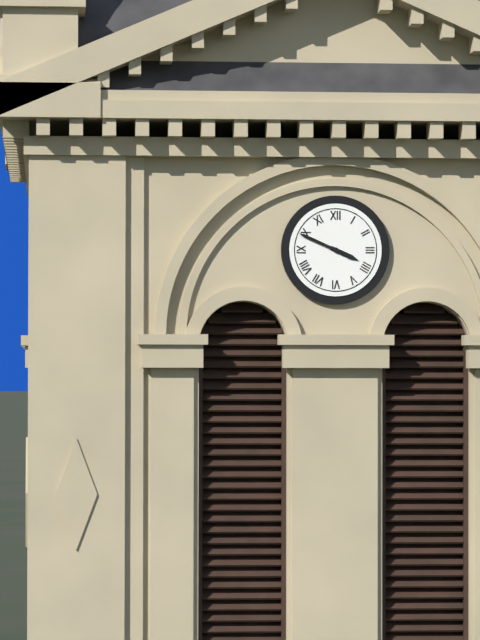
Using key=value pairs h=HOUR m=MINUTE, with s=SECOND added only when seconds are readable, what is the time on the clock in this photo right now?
h=3 m=49
